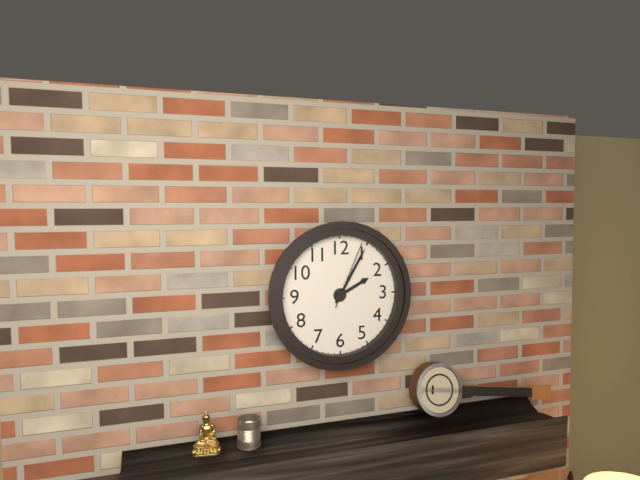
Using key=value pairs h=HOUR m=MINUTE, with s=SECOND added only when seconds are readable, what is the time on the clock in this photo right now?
h=2 m=5 s=4
